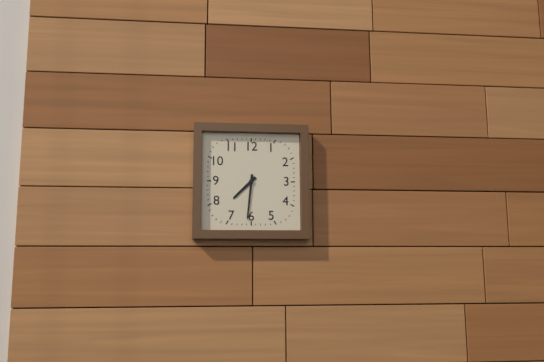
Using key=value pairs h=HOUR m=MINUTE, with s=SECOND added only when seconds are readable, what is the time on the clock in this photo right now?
h=7 m=31
